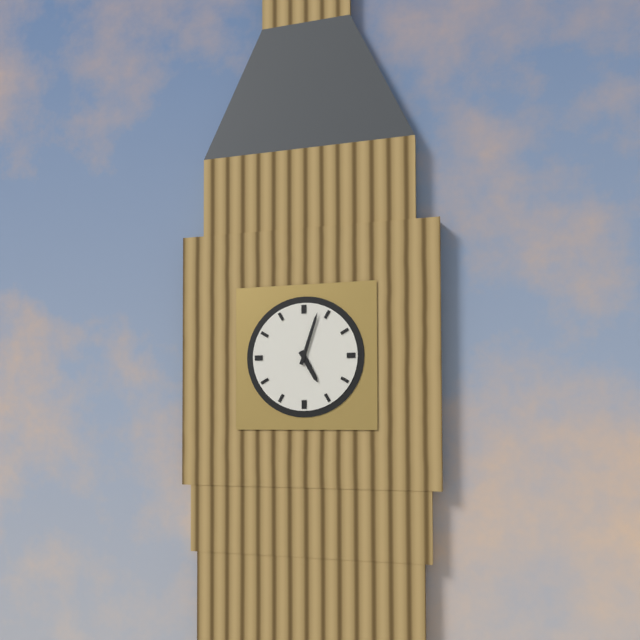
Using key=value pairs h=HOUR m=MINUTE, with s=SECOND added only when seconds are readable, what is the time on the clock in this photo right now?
h=5 m=3
